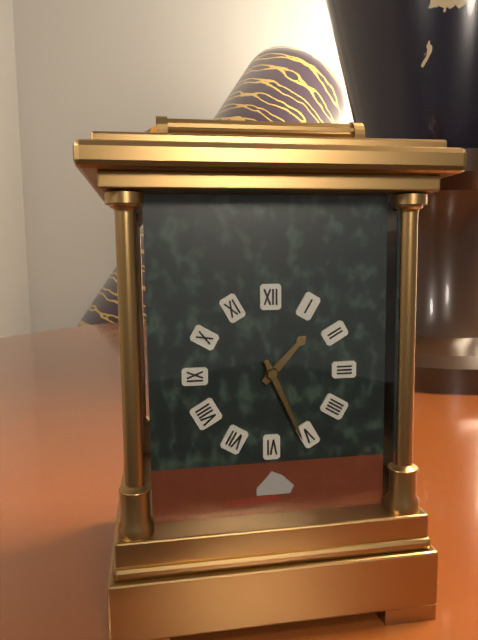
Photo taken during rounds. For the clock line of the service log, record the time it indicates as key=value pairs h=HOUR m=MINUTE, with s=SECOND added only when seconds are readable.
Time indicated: h=1 m=26
